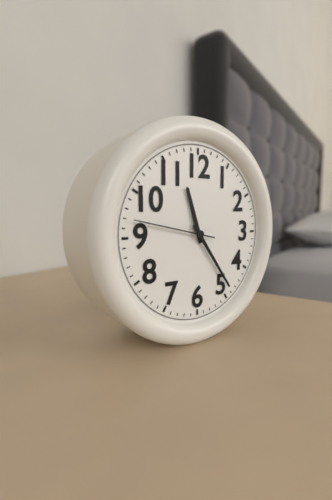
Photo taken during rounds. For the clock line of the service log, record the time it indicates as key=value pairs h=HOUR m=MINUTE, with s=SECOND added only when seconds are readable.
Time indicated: h=11 m=24 s=47
